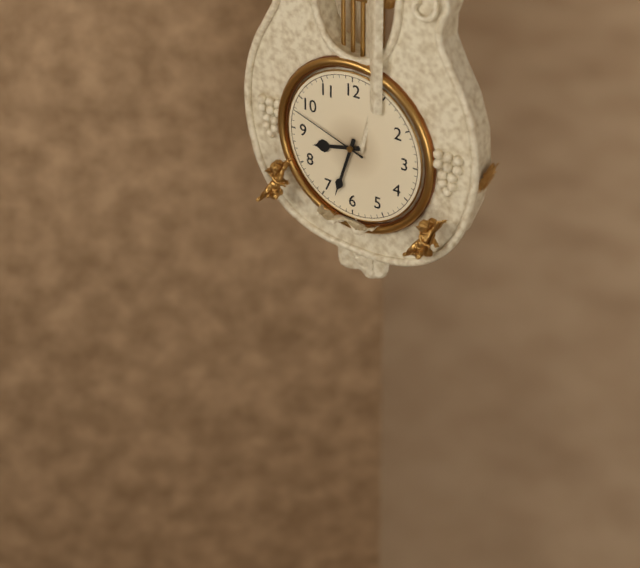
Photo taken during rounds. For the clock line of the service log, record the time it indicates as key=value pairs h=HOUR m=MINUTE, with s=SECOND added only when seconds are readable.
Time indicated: h=8 m=33 s=48
